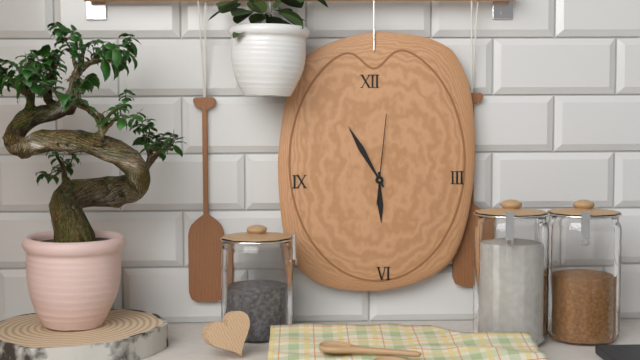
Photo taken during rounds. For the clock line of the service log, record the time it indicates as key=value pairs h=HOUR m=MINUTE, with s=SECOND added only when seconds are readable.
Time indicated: h=5 m=55 s=1
